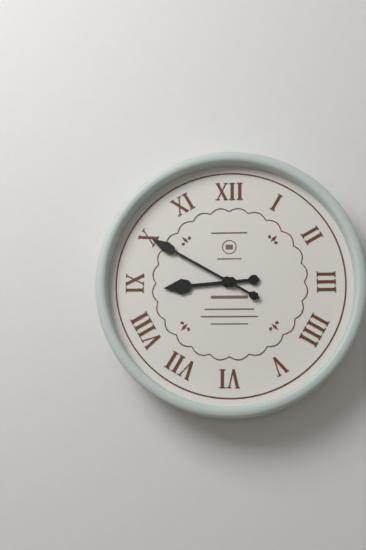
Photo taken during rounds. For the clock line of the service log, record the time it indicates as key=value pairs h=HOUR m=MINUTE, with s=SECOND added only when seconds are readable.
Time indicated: h=8 m=50
